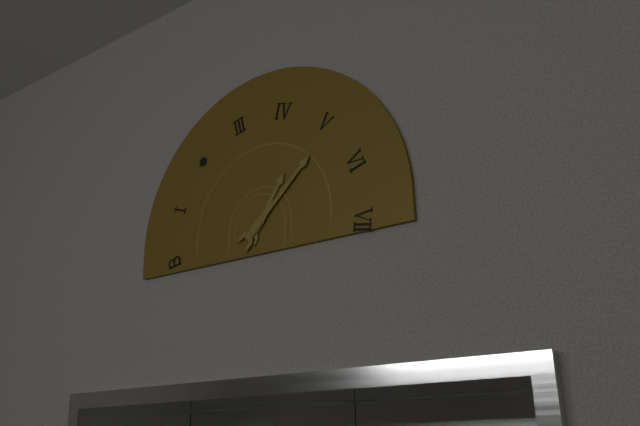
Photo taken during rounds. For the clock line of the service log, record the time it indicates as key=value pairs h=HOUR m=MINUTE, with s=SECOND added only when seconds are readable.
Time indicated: h=1 m=8
